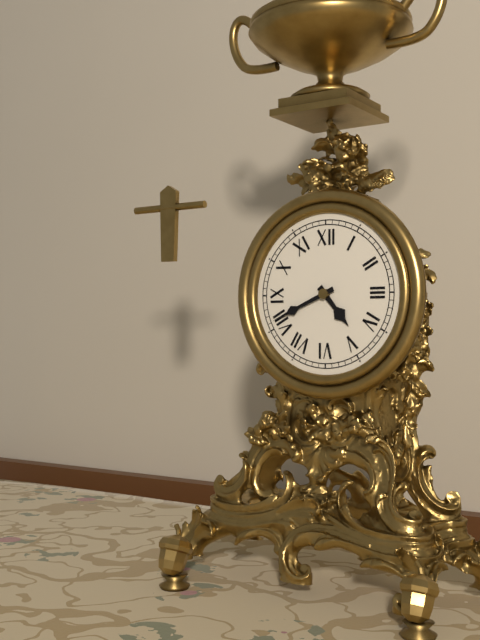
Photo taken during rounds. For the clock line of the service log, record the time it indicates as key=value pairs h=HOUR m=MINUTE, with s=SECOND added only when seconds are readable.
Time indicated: h=4 m=41
